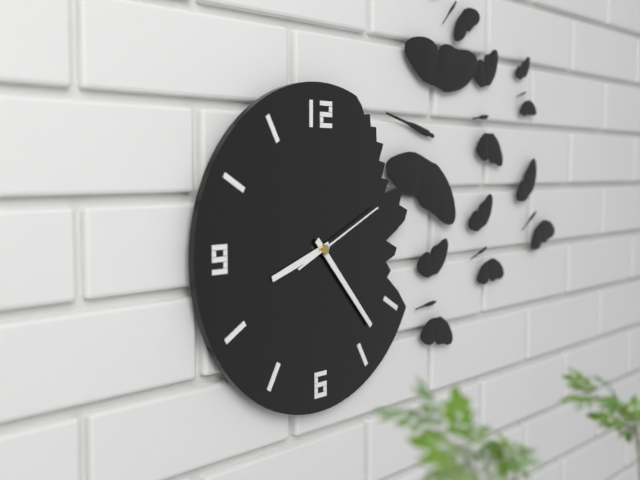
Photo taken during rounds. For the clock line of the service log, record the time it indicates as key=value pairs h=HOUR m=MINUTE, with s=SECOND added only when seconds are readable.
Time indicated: h=8 m=23 s=11
